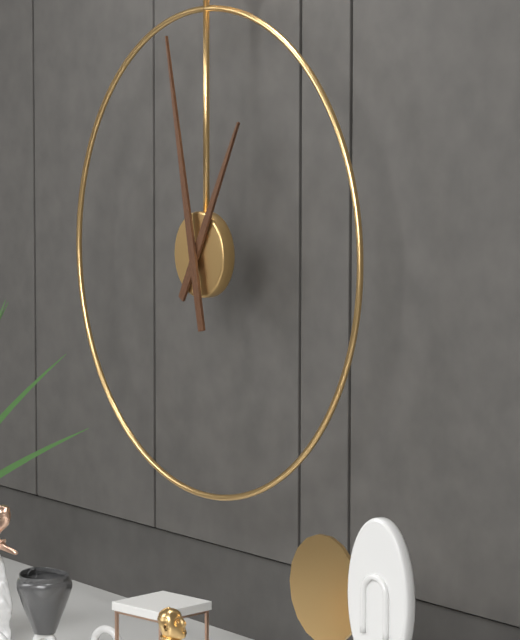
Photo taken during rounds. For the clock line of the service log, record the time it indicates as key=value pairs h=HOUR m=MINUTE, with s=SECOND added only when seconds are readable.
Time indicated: h=12 m=58
